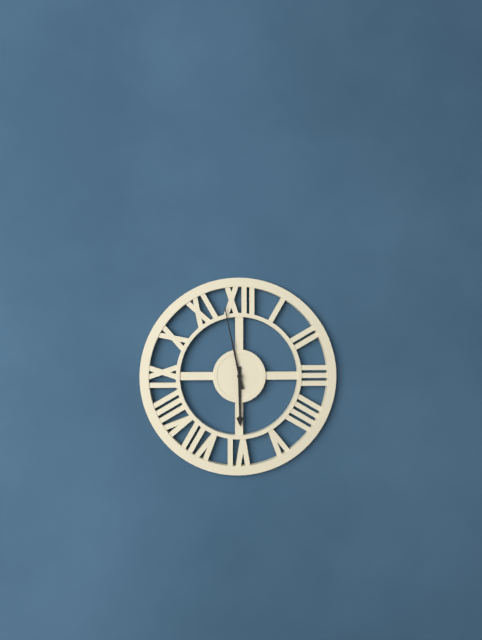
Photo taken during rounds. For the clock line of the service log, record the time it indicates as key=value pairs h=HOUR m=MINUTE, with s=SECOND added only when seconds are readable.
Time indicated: h=5 m=58
